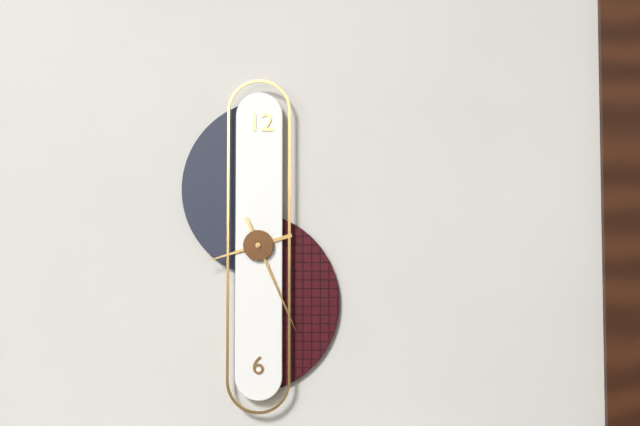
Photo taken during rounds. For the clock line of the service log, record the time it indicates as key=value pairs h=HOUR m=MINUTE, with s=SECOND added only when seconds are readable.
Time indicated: h=8 m=26
